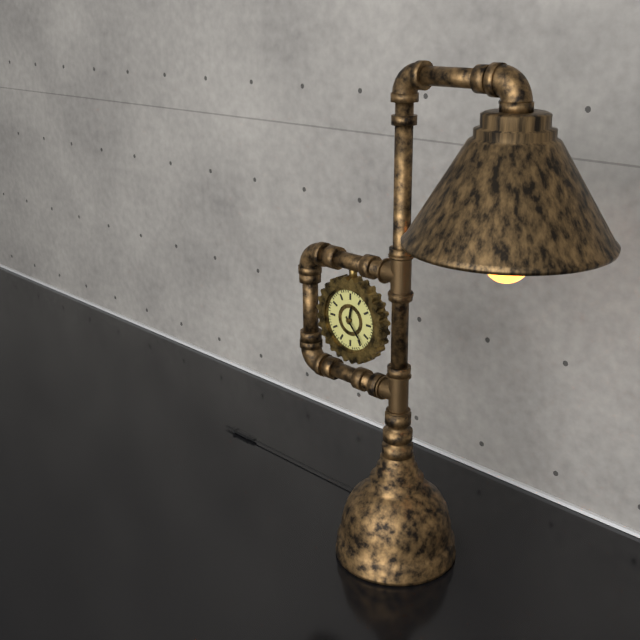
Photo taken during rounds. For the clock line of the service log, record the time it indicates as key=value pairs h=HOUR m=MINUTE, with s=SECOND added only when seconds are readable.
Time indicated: h=12 m=23
